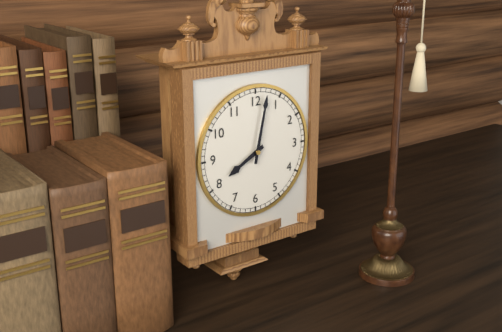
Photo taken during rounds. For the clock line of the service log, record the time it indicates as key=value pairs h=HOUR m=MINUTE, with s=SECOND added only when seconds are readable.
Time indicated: h=8 m=2
